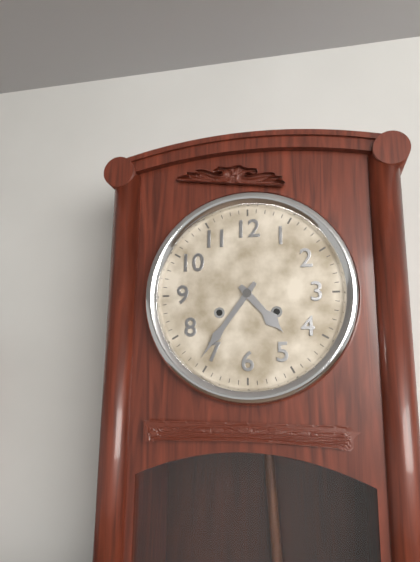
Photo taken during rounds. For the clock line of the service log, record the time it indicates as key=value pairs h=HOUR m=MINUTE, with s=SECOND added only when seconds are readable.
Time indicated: h=4 m=36
